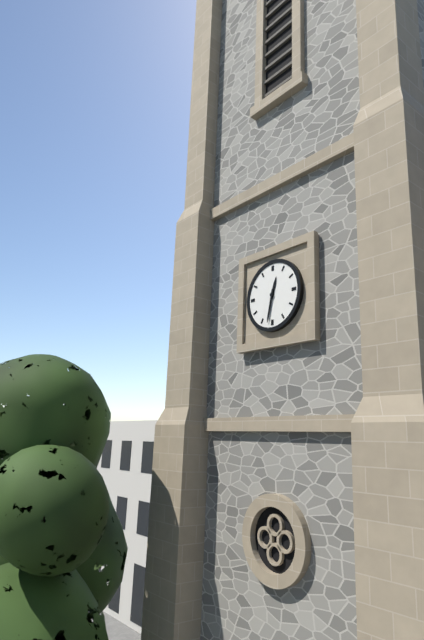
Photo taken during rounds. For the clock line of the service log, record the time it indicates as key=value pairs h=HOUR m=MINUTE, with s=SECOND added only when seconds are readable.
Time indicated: h=12 m=32
